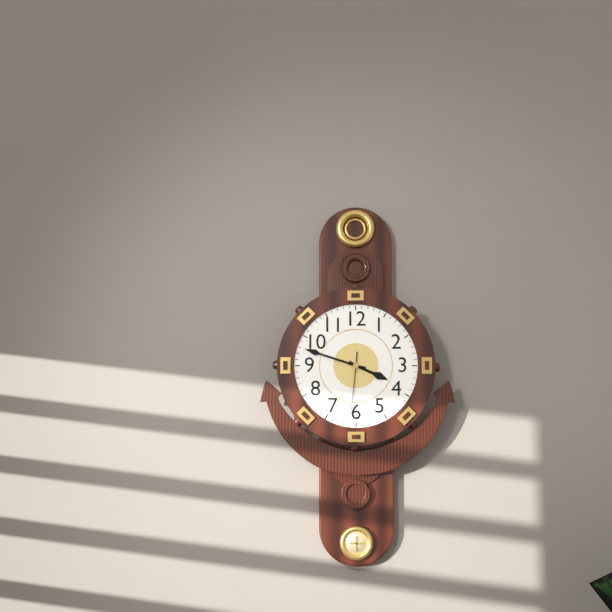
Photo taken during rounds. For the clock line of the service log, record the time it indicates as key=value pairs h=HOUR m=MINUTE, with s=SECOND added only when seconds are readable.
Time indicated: h=3 m=48 s=31
